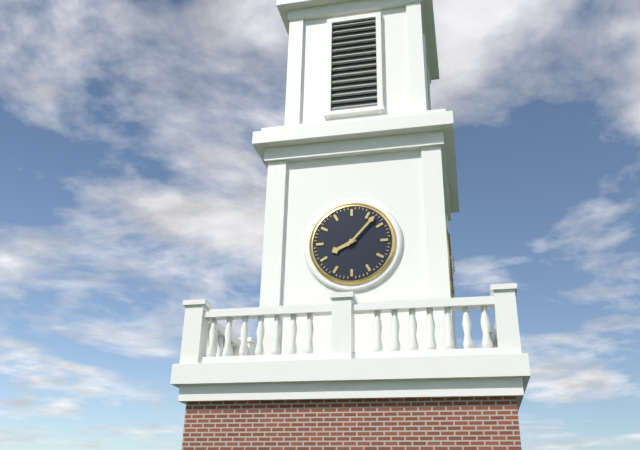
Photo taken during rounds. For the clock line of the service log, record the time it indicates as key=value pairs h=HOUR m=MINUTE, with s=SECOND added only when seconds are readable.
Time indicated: h=8 m=7
